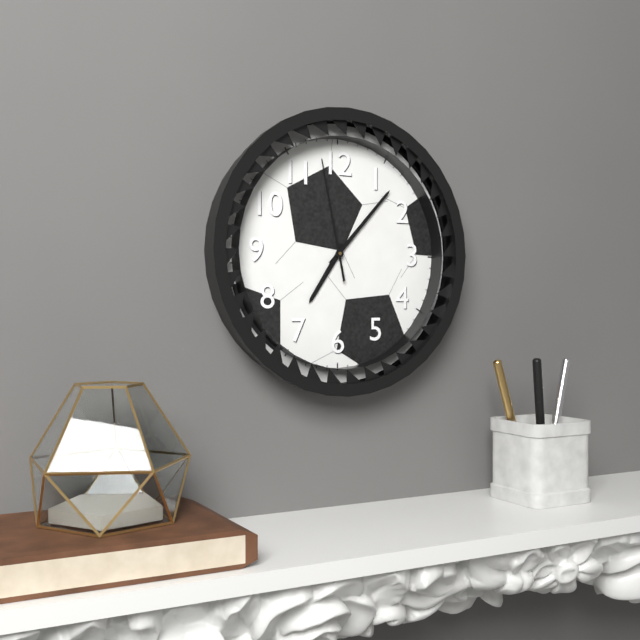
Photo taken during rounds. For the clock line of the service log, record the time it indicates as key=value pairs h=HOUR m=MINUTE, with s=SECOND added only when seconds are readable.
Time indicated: h=7 m=7 s=58
